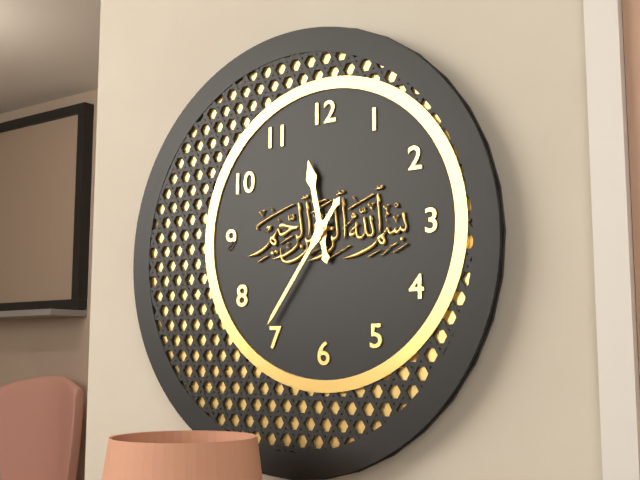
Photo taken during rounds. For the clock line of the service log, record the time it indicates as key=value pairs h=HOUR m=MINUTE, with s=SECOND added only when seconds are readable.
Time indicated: h=11 m=36
